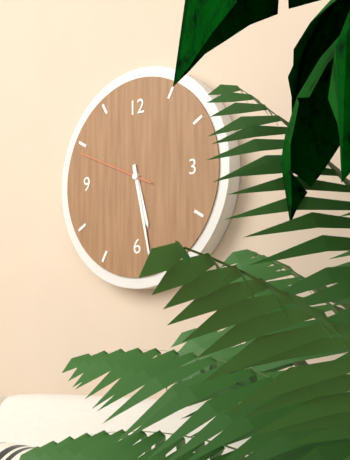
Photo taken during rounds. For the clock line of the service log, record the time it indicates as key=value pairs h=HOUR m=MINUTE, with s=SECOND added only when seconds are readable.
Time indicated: h=5 m=28 s=49
